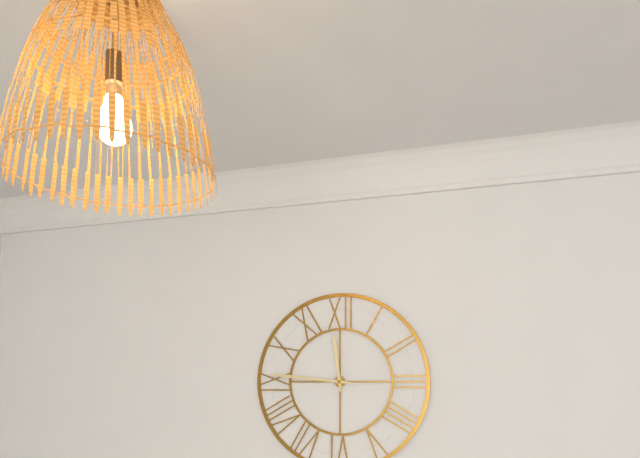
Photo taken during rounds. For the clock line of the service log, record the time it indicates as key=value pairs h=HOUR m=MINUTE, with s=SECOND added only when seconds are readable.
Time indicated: h=11 m=46
